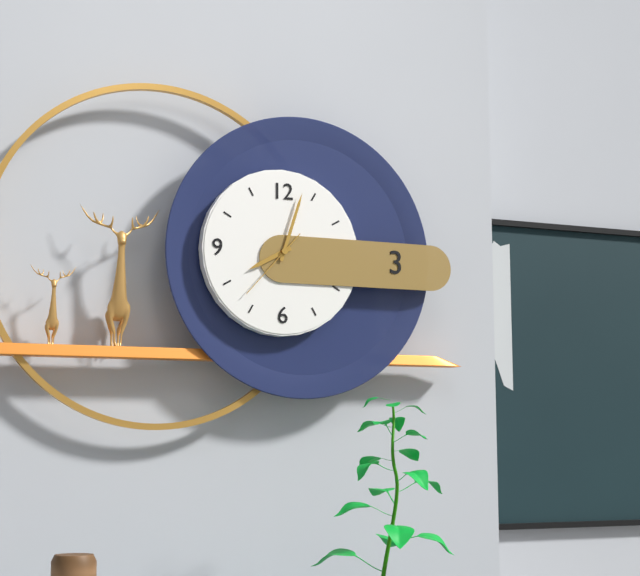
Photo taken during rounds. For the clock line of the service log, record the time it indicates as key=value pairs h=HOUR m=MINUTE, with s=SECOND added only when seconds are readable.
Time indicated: h=8 m=3 s=37
